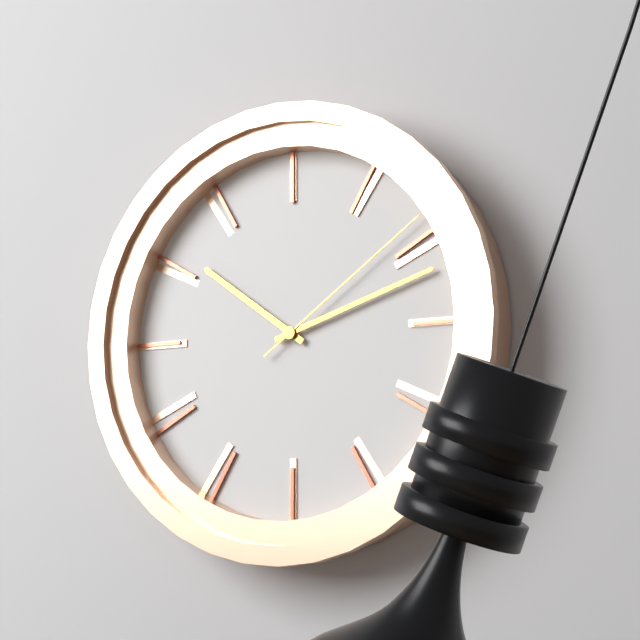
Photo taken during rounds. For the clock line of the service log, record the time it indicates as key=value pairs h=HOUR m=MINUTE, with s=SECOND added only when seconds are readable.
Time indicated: h=10 m=12 s=9
